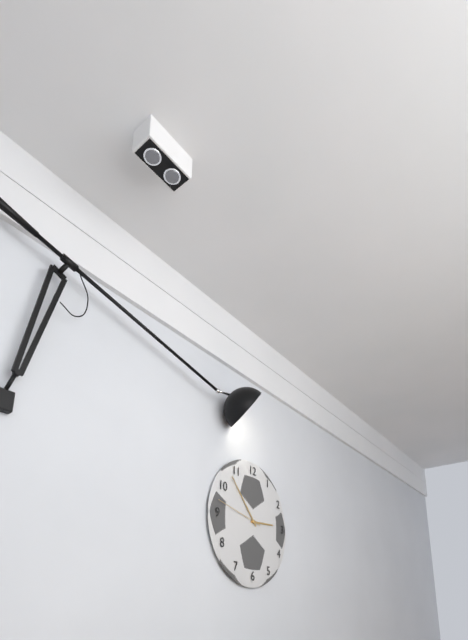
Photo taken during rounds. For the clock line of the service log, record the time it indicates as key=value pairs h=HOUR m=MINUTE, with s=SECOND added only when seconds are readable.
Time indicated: h=2 m=53 s=47
